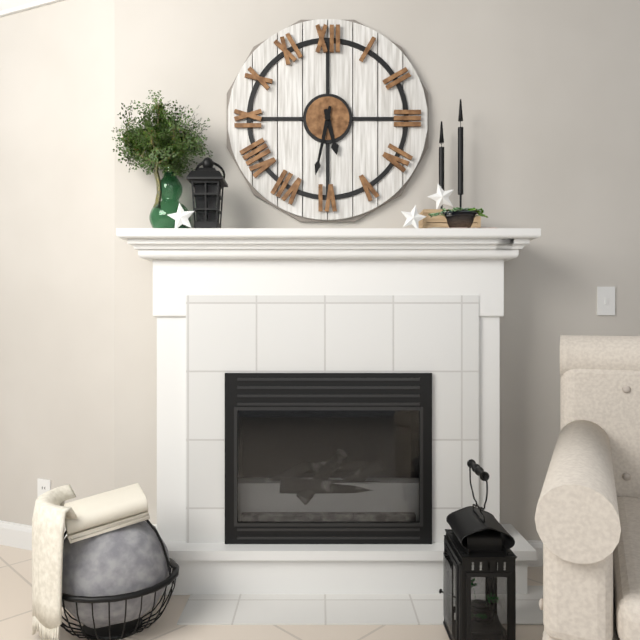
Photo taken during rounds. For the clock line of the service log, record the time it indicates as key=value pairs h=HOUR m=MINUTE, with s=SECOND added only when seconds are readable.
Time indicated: h=5 m=32
